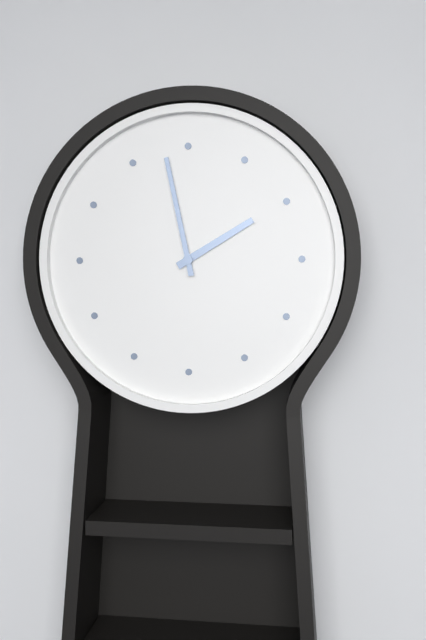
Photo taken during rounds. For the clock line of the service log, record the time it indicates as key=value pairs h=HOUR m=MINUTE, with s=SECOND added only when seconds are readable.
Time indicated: h=1 m=58
